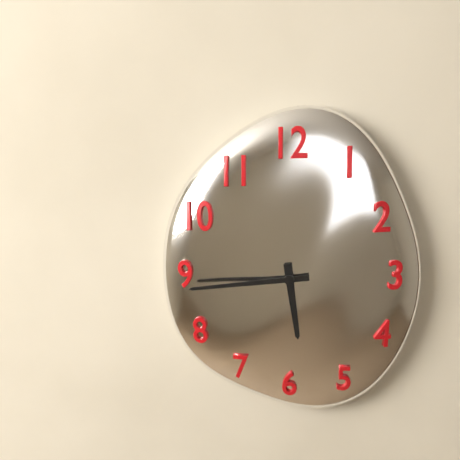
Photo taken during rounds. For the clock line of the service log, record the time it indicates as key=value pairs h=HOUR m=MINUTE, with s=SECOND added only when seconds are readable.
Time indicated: h=5 m=44
